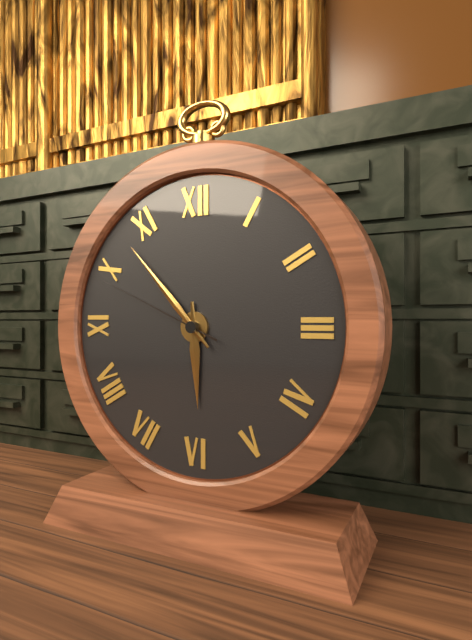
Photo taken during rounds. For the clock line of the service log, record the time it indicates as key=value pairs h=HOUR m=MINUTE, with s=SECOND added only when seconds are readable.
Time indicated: h=5 m=53 s=49
